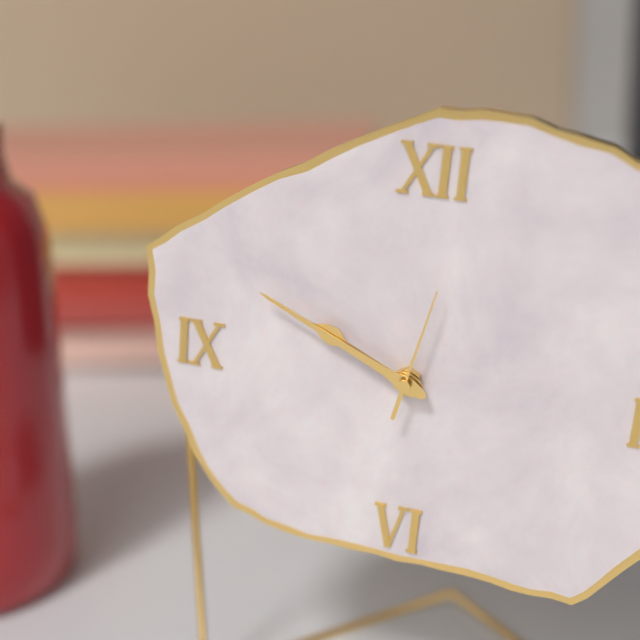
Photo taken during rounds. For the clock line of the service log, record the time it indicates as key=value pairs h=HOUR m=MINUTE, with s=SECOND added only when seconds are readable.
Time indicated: h=9 m=49 s=2
